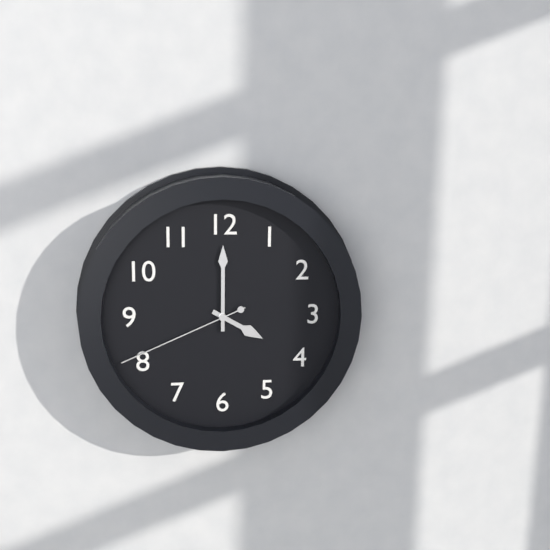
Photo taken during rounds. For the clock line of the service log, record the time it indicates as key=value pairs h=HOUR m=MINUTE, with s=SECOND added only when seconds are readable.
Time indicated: h=4 m=0 s=41
